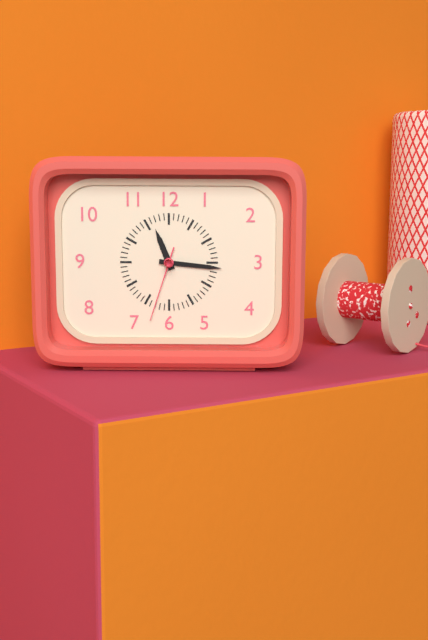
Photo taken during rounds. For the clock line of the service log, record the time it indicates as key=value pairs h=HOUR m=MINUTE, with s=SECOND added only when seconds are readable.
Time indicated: h=11 m=16 s=33
